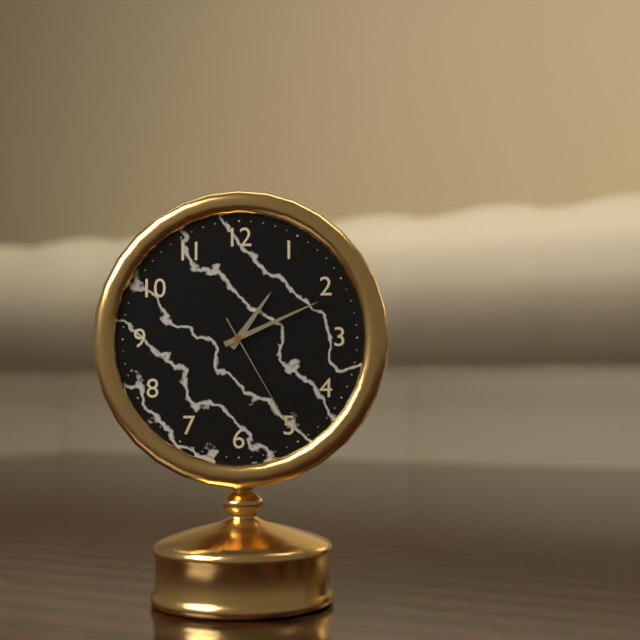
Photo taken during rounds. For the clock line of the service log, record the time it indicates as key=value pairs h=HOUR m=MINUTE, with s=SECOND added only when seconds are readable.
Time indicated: h=1 m=11 s=25
